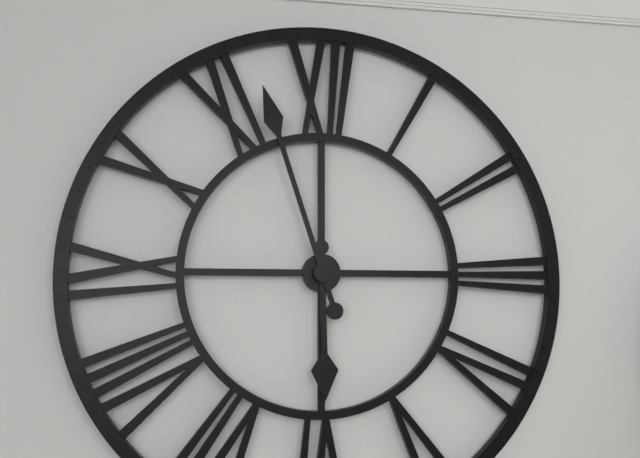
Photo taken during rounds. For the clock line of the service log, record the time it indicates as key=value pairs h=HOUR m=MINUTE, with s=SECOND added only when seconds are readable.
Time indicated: h=5 m=57
